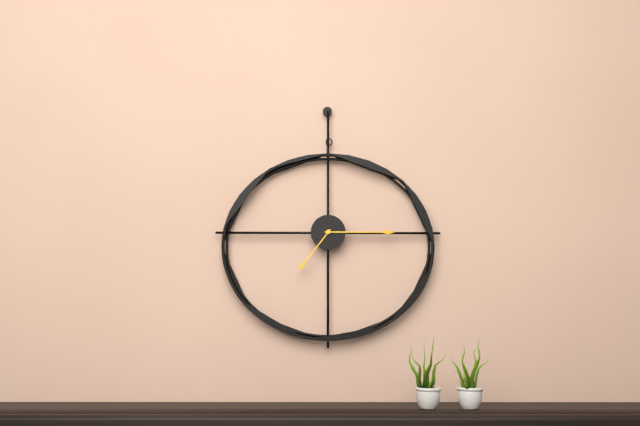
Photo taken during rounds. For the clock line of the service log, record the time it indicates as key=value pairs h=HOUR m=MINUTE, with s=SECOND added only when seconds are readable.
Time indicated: h=7 m=15
